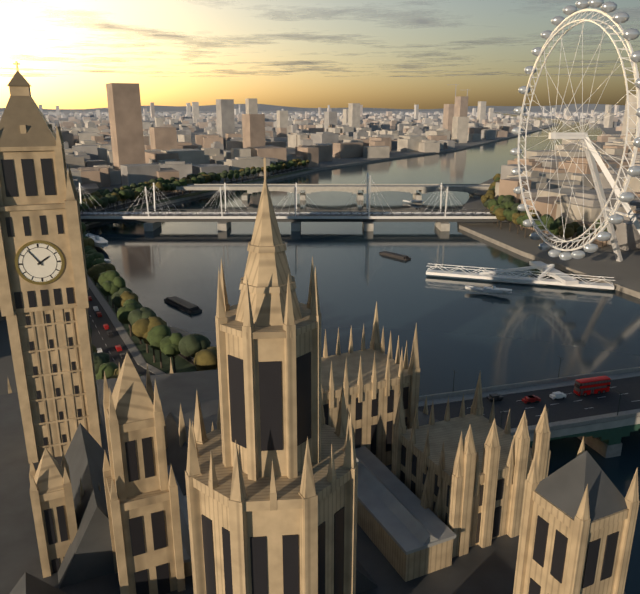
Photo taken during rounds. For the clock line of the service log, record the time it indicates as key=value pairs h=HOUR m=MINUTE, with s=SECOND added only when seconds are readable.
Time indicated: h=1 m=54
